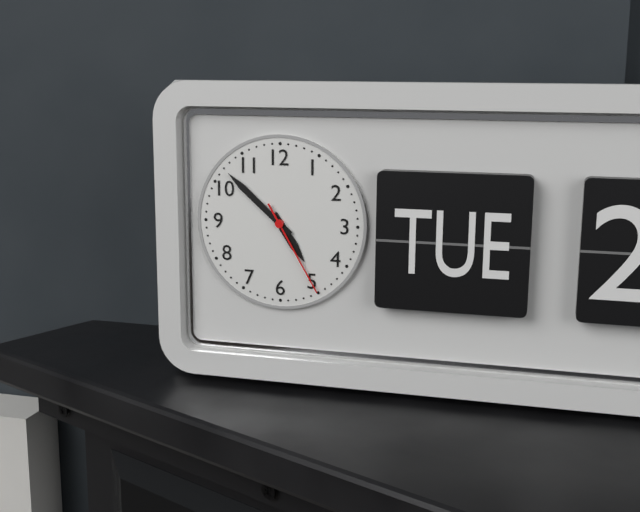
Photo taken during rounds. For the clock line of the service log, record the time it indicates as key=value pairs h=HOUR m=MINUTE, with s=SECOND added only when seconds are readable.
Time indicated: h=4 m=52 s=25
